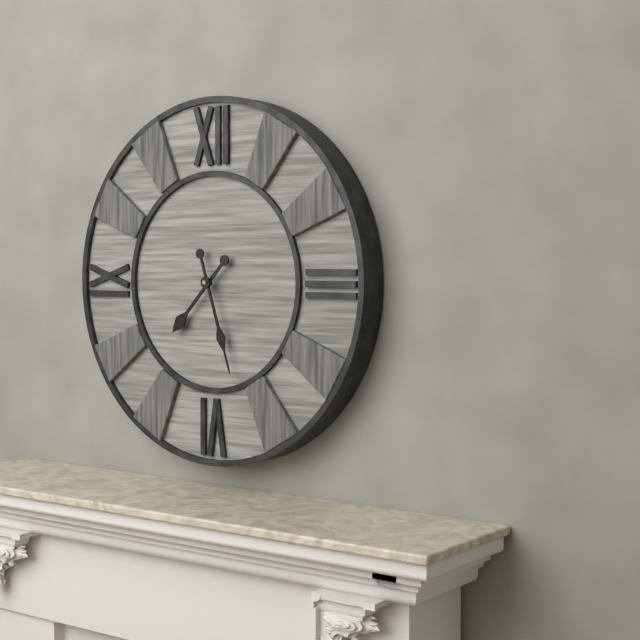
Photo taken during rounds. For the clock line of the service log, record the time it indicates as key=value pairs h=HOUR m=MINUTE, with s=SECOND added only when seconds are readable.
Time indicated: h=7 m=27
